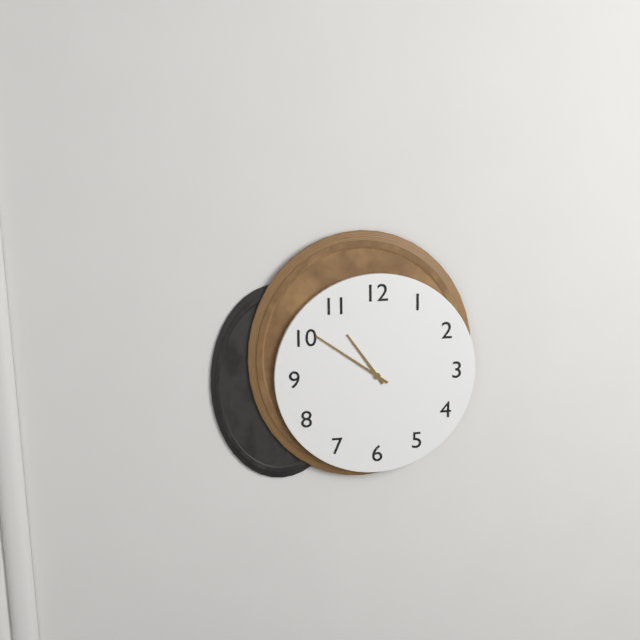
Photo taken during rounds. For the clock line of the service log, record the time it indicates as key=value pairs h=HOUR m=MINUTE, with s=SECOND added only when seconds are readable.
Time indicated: h=10 m=51
